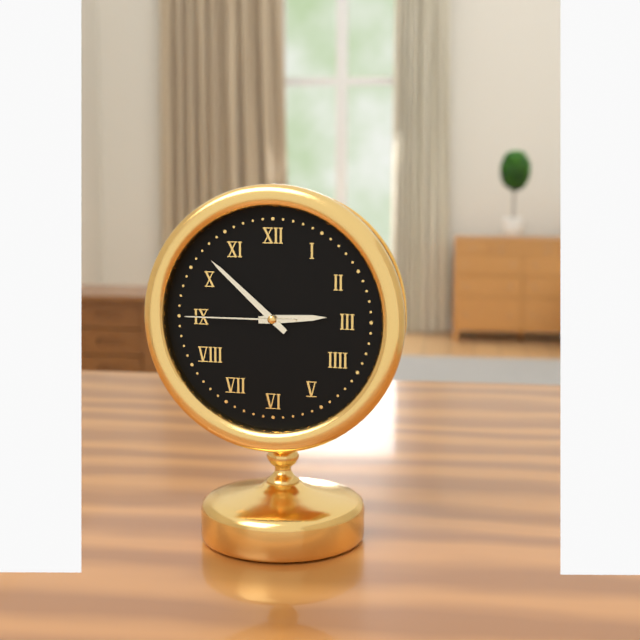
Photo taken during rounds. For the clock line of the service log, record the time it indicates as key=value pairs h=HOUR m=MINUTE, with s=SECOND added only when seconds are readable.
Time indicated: h=2 m=52 s=45
